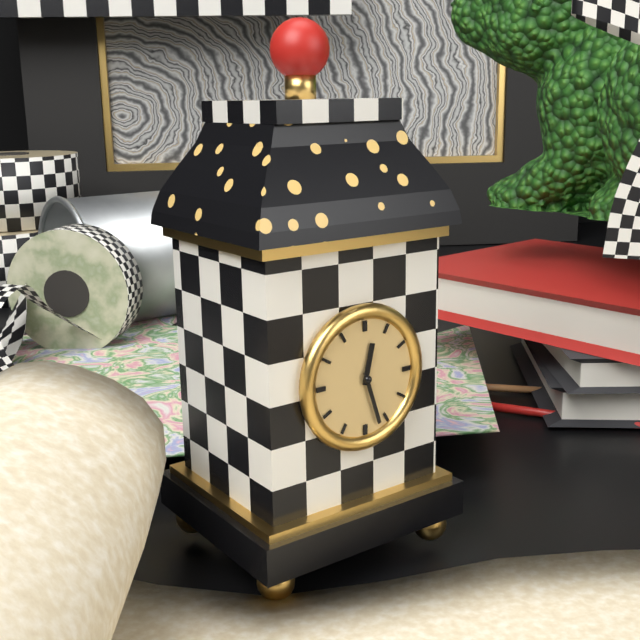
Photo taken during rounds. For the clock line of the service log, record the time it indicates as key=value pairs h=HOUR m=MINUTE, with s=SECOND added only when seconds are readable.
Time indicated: h=12 m=27
